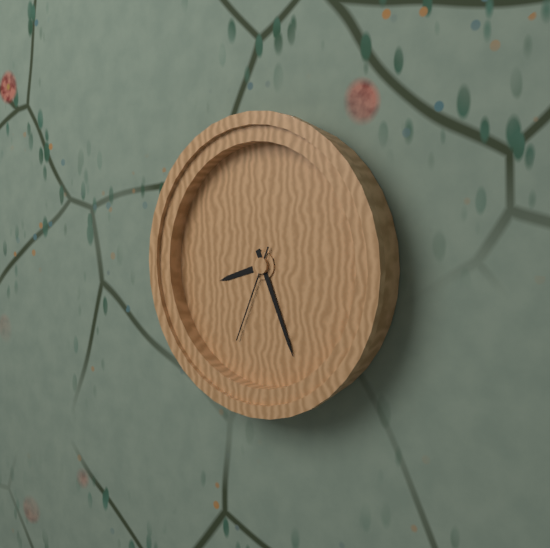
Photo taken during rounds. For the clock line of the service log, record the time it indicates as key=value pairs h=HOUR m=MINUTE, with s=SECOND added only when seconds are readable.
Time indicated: h=8 m=26 s=34
